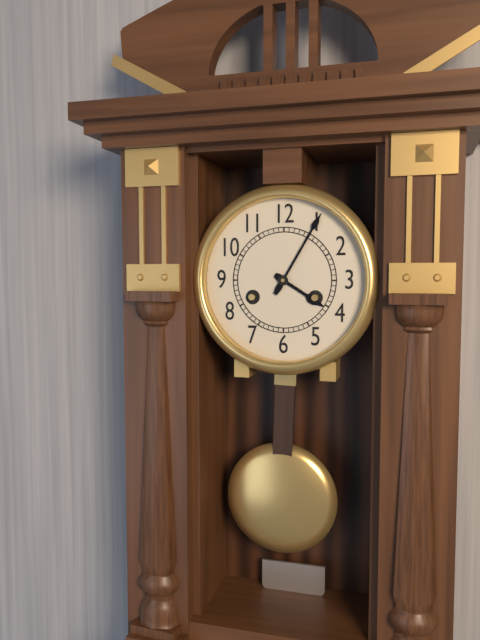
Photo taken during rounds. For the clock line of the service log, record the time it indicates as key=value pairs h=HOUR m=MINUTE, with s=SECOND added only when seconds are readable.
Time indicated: h=4 m=5
